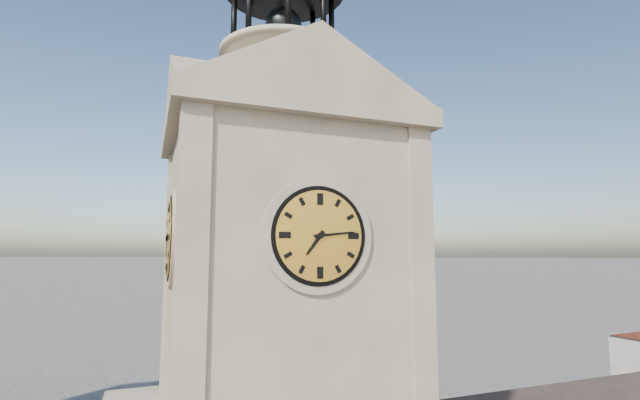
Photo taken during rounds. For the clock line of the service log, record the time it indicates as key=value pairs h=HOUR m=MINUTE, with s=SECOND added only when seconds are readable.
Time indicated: h=7 m=14
